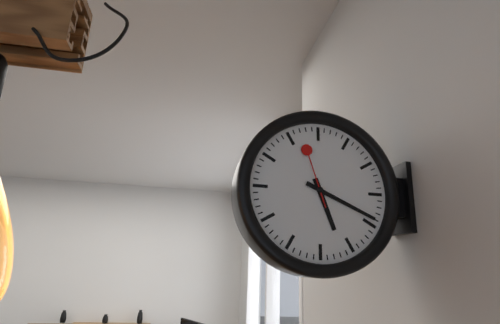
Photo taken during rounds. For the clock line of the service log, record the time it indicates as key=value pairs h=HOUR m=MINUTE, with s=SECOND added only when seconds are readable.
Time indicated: h=5 m=19 s=57
